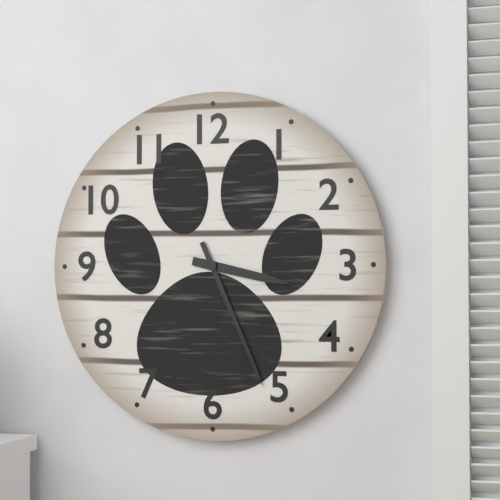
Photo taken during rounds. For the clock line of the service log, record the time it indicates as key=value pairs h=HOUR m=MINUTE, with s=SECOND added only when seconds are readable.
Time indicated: h=3 m=26
